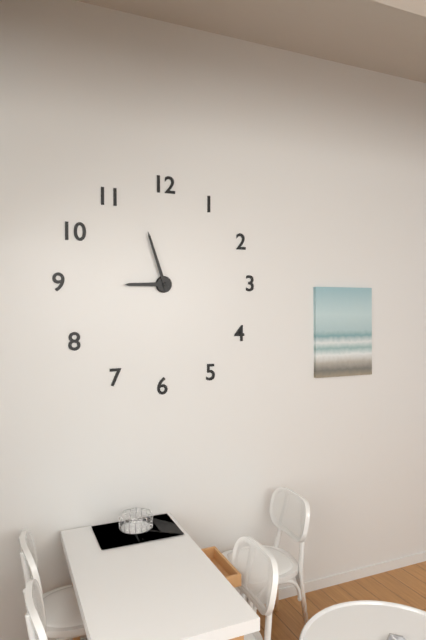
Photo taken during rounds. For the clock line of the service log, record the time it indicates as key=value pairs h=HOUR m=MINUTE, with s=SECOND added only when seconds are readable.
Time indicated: h=8 m=57
